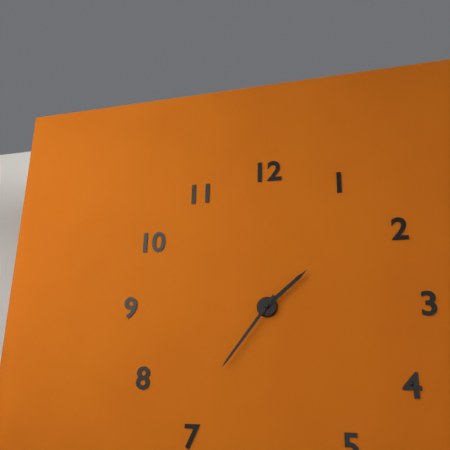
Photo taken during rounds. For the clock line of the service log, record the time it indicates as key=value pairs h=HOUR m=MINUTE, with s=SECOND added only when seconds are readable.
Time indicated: h=1 m=36
